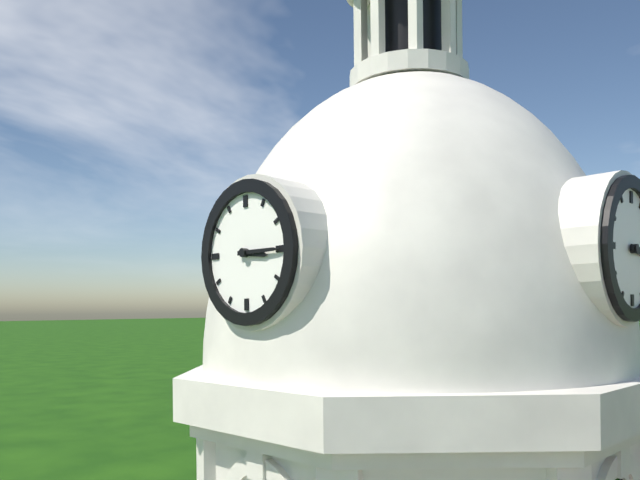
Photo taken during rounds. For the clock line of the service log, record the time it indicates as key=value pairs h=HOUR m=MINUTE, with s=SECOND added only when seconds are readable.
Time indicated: h=3 m=15
